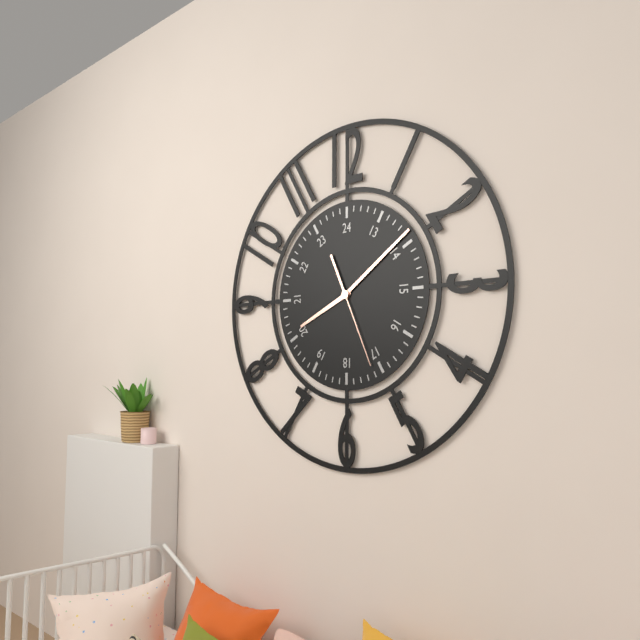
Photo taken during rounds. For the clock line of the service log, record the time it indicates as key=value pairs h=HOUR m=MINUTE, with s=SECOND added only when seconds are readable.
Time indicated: h=8 m=9 s=26
